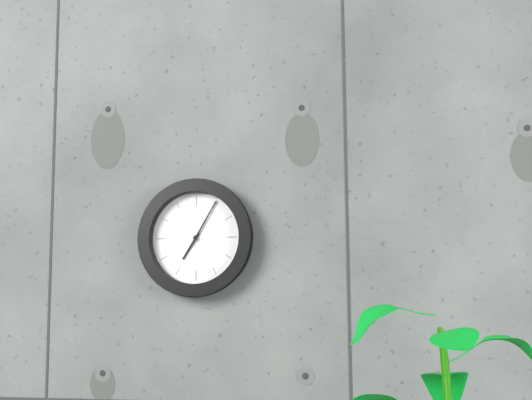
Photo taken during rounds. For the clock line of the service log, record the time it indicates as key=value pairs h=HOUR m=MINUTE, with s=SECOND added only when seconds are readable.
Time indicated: h=7 m=5
